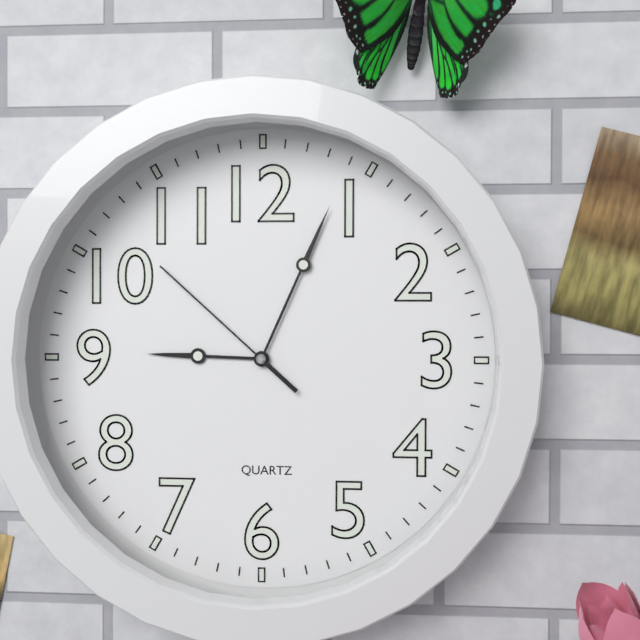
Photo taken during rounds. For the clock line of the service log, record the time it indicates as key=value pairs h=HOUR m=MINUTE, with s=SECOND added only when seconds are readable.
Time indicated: h=9 m=4 s=52
